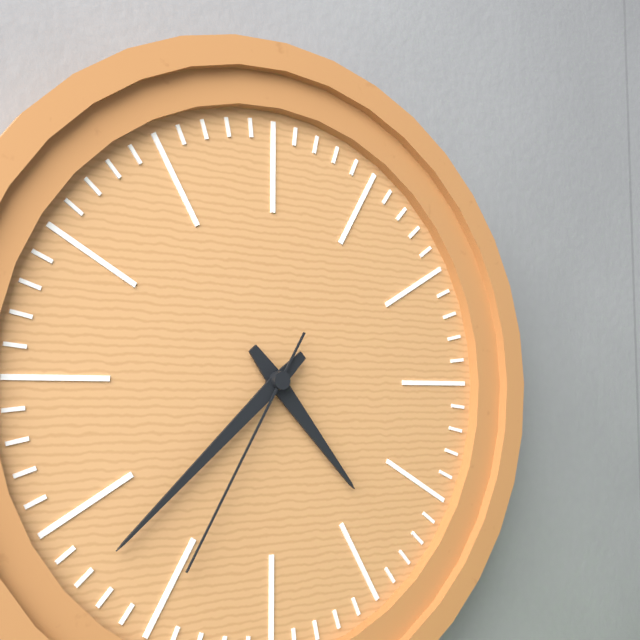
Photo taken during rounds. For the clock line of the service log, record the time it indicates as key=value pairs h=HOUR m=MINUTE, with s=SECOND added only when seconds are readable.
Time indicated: h=4 m=38 s=35
